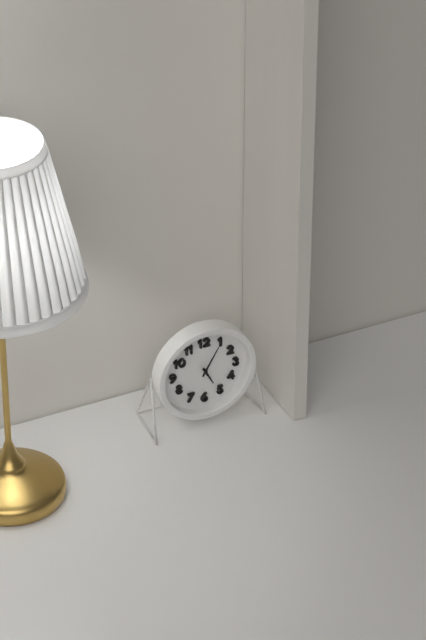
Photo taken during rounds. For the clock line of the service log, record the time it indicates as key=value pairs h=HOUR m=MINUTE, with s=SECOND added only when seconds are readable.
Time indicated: h=5 m=5
